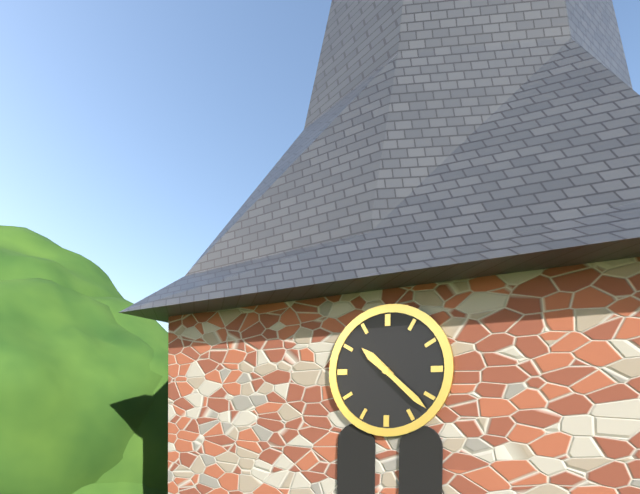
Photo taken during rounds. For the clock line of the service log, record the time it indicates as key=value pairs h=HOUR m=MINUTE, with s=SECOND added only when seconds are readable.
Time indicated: h=10 m=22
